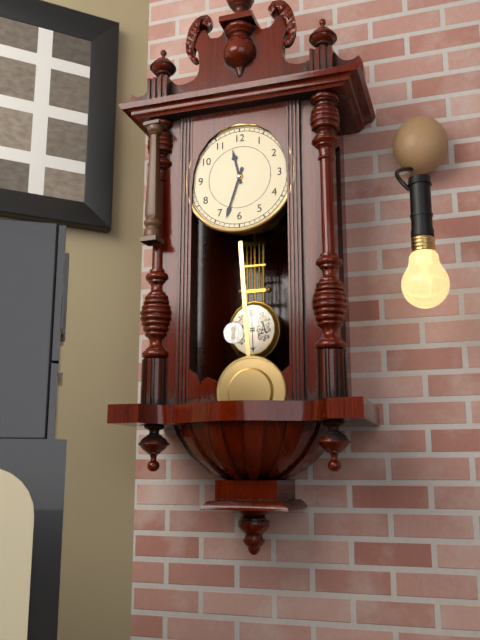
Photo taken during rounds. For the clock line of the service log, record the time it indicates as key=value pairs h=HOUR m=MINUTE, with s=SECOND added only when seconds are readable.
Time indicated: h=11 m=33
